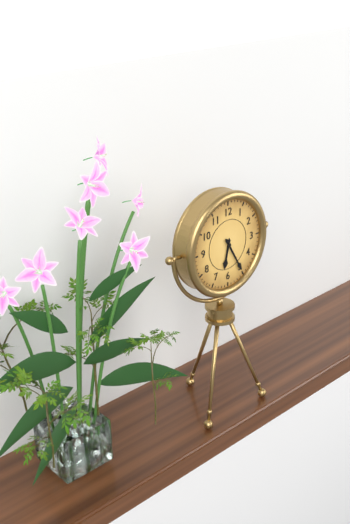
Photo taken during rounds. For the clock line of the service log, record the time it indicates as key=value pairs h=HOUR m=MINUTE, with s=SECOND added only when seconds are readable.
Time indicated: h=6 m=25
